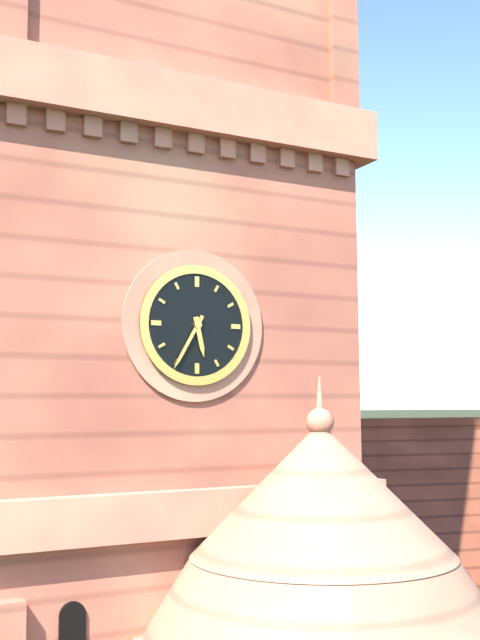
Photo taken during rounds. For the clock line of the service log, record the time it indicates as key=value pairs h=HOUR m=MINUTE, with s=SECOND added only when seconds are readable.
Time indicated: h=5 m=35
